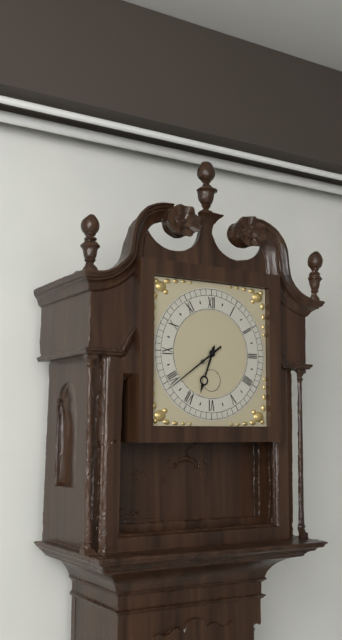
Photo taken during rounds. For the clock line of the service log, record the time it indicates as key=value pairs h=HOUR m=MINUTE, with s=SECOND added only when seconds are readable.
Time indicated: h=6 m=39
